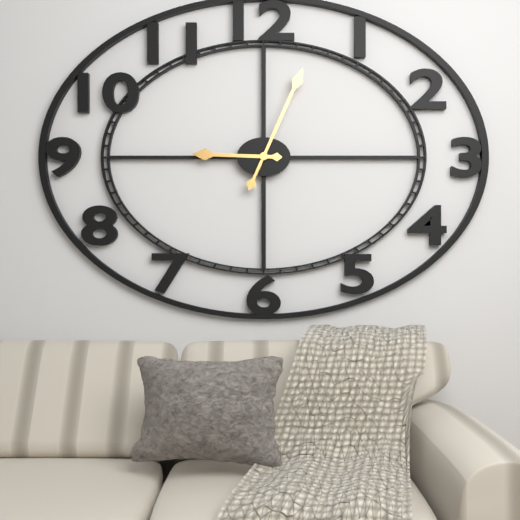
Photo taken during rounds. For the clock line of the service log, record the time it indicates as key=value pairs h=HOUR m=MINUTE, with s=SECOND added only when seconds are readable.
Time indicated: h=9 m=4
